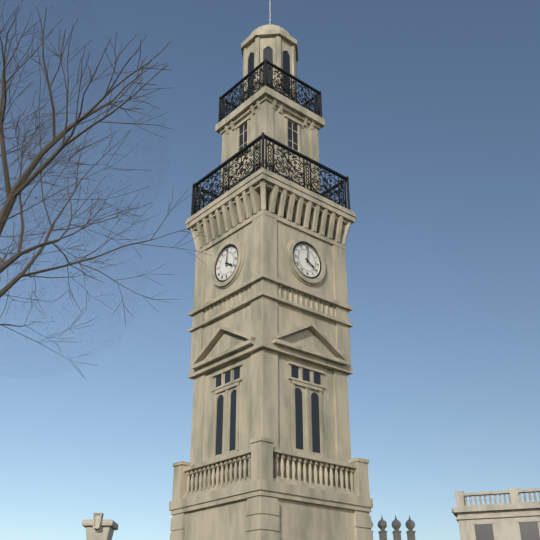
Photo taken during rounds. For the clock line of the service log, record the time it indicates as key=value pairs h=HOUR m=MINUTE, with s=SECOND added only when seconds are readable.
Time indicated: h=4 m=1
